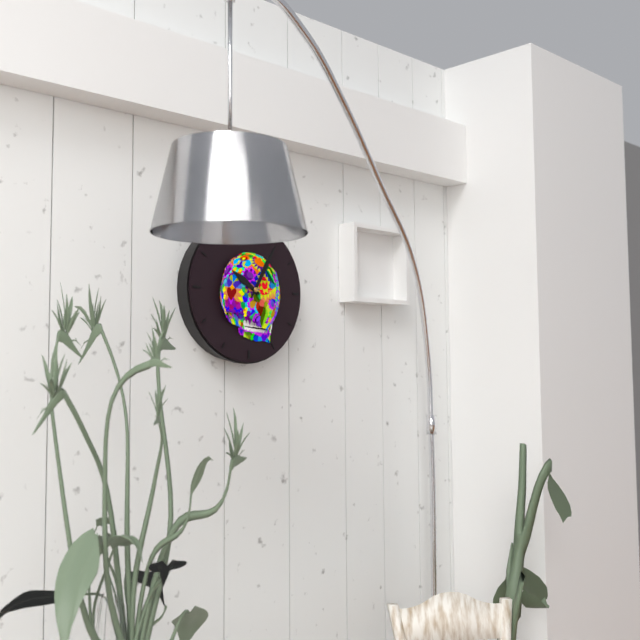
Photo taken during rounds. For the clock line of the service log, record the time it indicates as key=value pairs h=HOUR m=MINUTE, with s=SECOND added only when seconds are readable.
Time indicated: h=10 m=5
